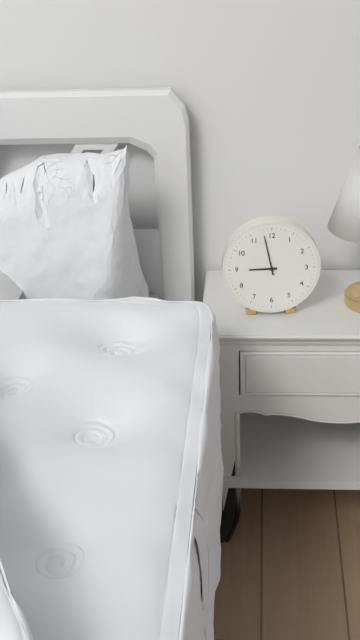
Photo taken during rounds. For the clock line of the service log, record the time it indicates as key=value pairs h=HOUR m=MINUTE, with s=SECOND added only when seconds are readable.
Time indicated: h=8 m=58
